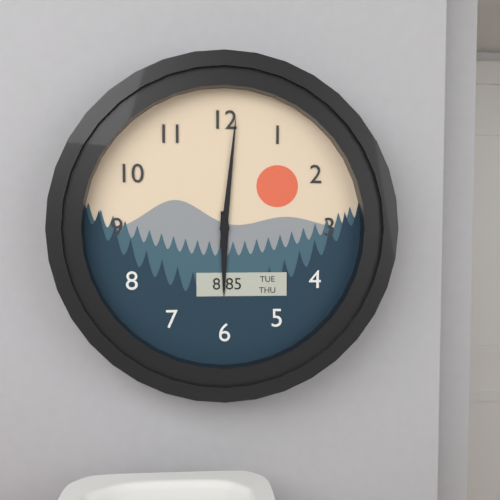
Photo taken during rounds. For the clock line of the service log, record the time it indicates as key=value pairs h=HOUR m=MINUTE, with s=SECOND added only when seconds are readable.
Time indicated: h=6 m=1
